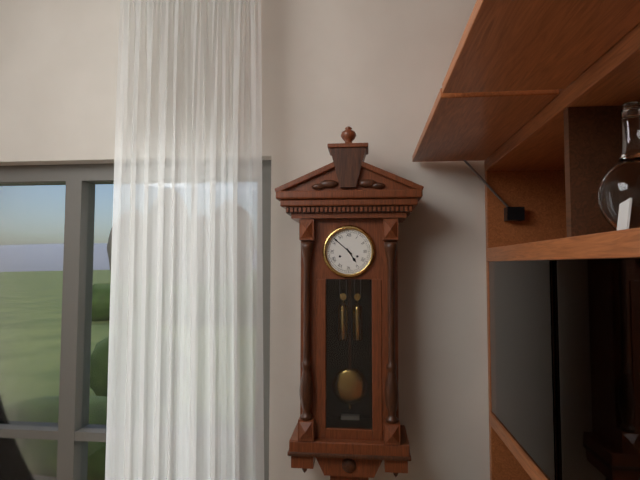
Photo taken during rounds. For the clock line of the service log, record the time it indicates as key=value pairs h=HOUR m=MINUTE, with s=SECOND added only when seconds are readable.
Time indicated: h=4 m=52
